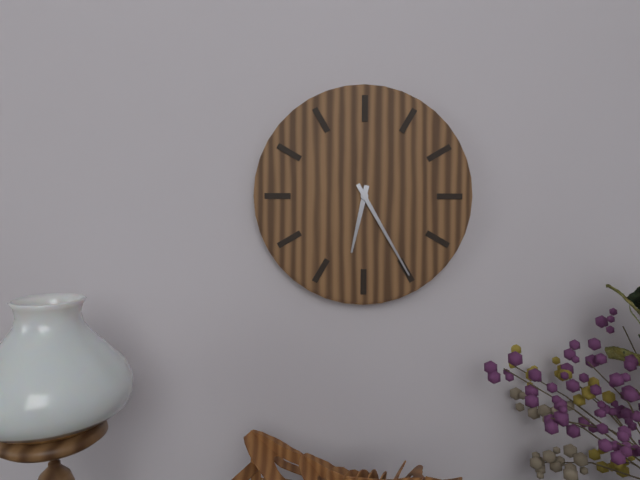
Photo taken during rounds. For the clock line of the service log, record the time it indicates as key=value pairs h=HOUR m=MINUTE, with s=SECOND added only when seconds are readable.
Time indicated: h=6 m=25
